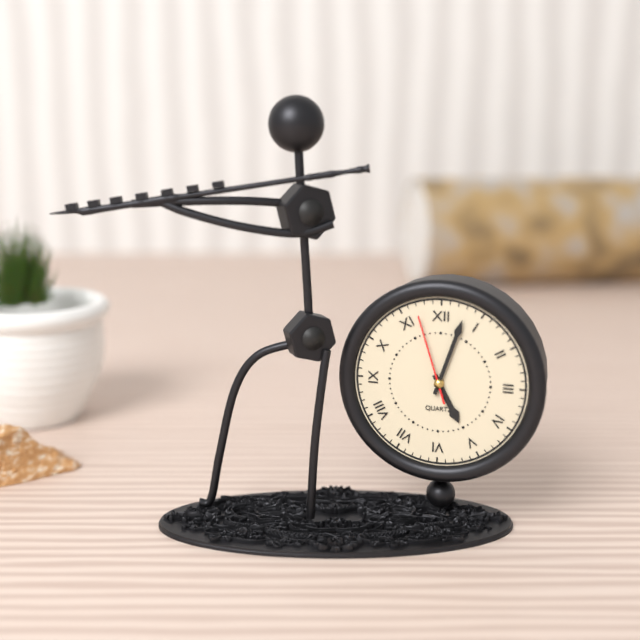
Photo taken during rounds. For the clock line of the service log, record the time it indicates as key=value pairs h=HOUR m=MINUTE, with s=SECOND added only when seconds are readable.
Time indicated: h=5 m=3 s=57
